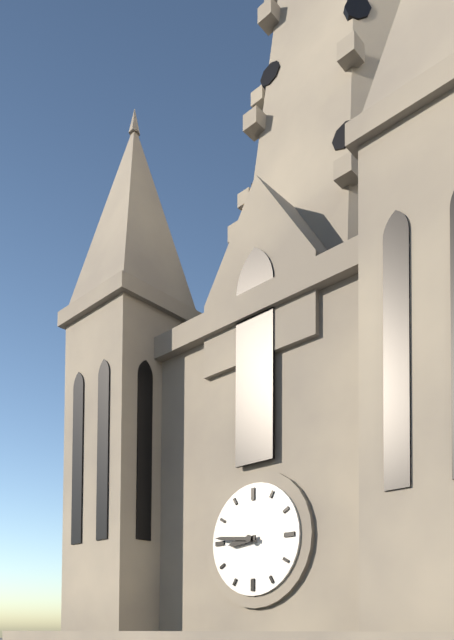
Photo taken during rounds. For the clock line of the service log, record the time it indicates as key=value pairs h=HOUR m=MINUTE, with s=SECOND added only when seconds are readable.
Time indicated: h=8 m=46
